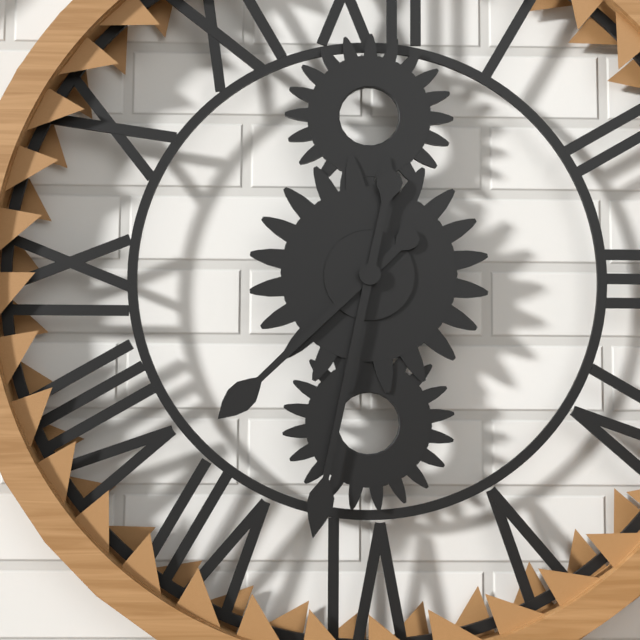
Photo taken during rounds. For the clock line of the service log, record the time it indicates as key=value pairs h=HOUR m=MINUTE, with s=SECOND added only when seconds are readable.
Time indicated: h=7 m=32
